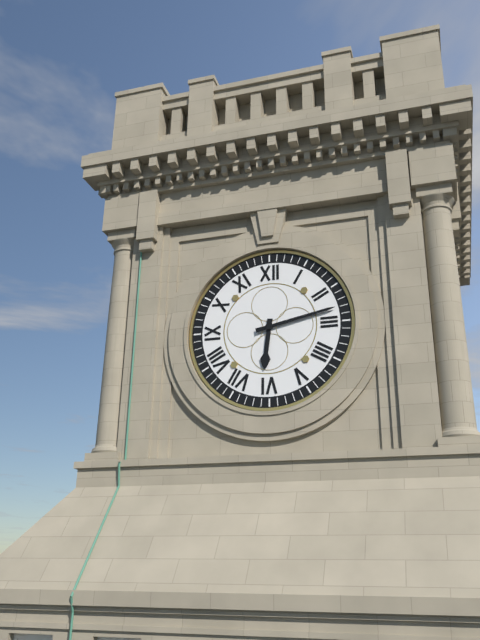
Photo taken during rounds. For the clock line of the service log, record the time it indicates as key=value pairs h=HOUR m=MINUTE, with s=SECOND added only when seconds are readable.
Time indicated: h=6 m=13
